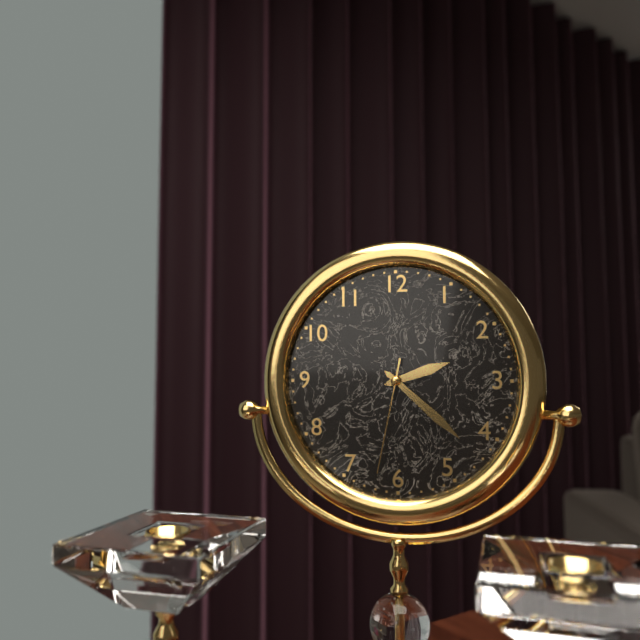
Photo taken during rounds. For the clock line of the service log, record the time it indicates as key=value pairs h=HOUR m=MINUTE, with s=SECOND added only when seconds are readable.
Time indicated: h=2 m=22 s=32
